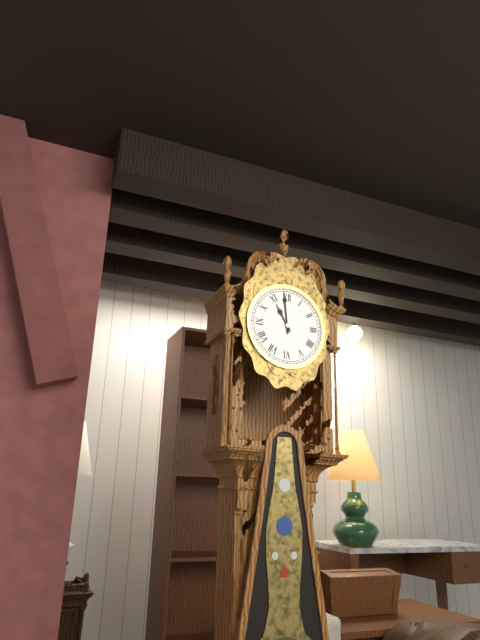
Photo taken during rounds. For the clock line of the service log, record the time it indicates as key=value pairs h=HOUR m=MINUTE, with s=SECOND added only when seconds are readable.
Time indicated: h=10 m=59
